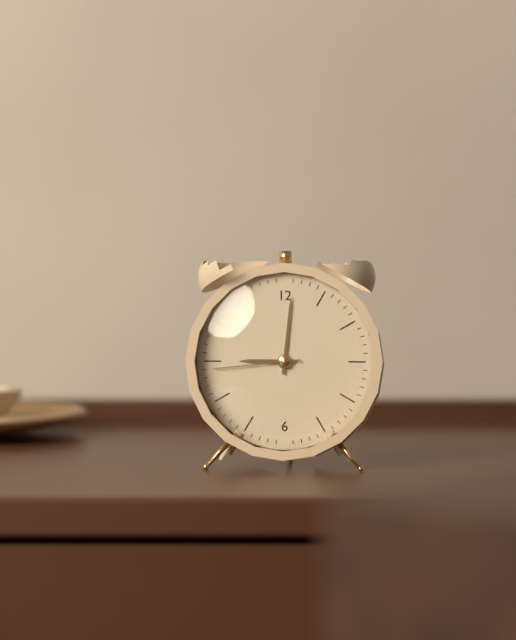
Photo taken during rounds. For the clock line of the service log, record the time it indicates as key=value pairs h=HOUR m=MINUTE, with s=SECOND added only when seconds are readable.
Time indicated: h=9 m=1 s=44
